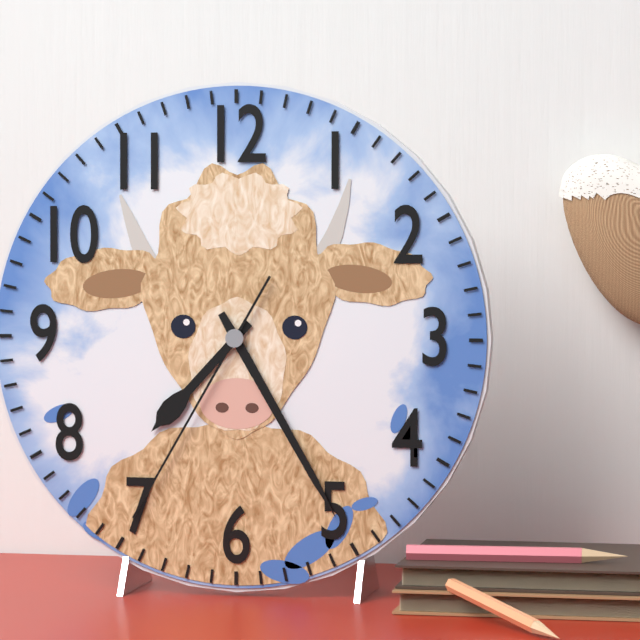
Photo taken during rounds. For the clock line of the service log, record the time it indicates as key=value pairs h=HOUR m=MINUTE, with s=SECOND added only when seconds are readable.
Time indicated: h=7 m=25 s=35
